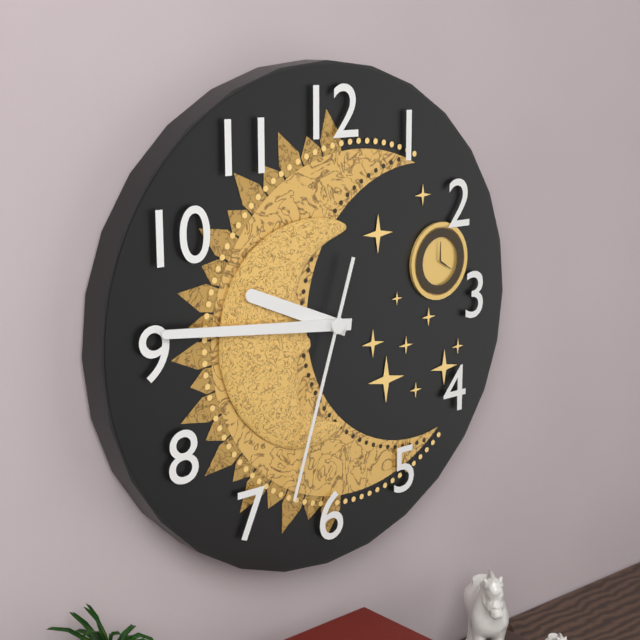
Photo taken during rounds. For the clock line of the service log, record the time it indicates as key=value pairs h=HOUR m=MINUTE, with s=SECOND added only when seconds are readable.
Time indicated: h=9 m=46 s=33
